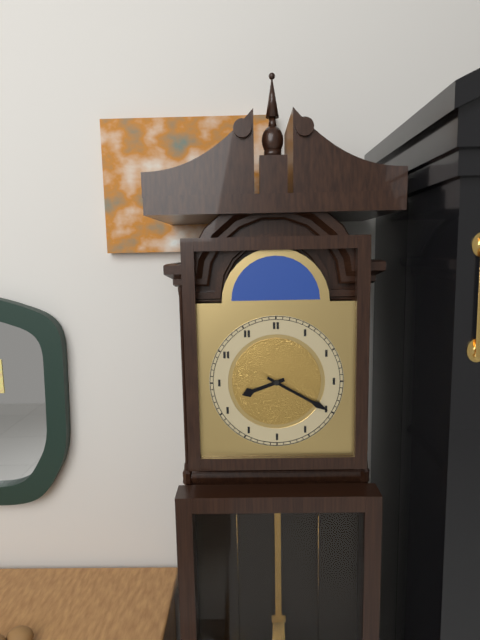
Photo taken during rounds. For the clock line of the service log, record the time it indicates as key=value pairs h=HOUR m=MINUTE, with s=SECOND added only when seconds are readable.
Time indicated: h=8 m=20
